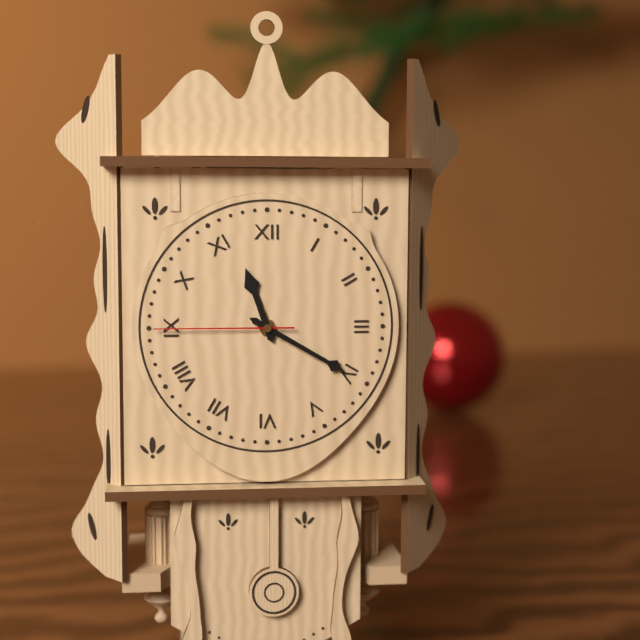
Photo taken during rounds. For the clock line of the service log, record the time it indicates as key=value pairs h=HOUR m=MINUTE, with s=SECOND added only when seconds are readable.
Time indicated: h=11 m=20 s=45
